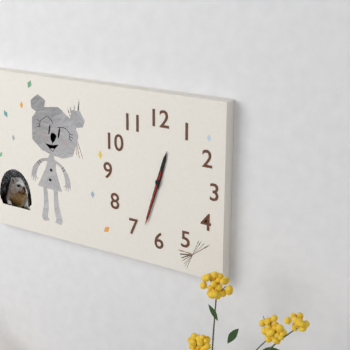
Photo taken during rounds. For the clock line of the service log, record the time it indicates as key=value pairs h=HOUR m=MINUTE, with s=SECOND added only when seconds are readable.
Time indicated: h=12 m=33 s=33
